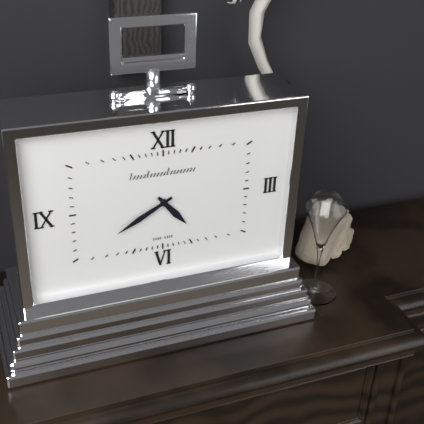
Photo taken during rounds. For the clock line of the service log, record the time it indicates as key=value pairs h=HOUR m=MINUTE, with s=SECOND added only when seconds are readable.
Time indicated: h=4 m=40
